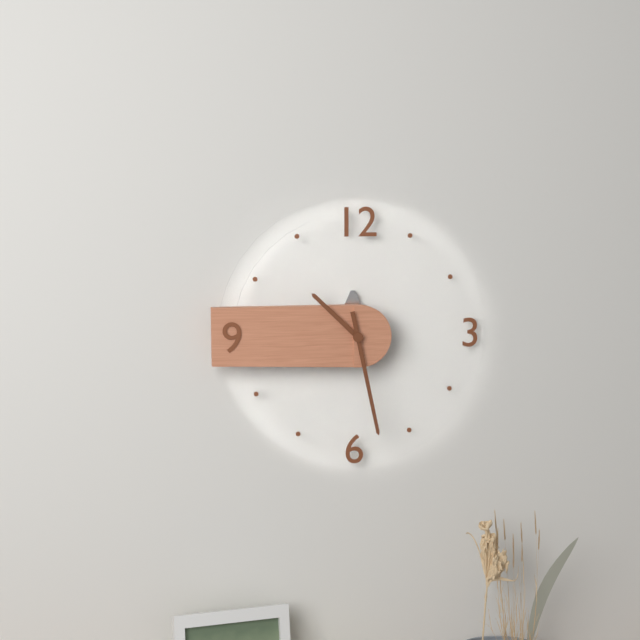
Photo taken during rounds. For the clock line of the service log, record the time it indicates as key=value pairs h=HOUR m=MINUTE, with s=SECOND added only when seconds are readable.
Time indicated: h=10 m=28
